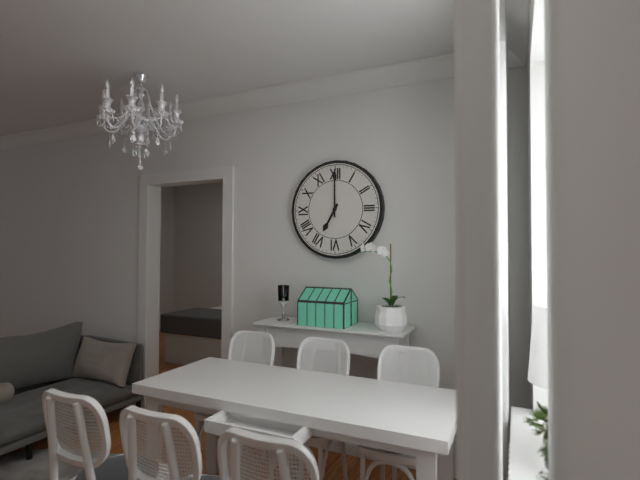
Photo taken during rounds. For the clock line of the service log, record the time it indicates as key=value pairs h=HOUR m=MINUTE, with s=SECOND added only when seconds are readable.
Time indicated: h=7 m=0
